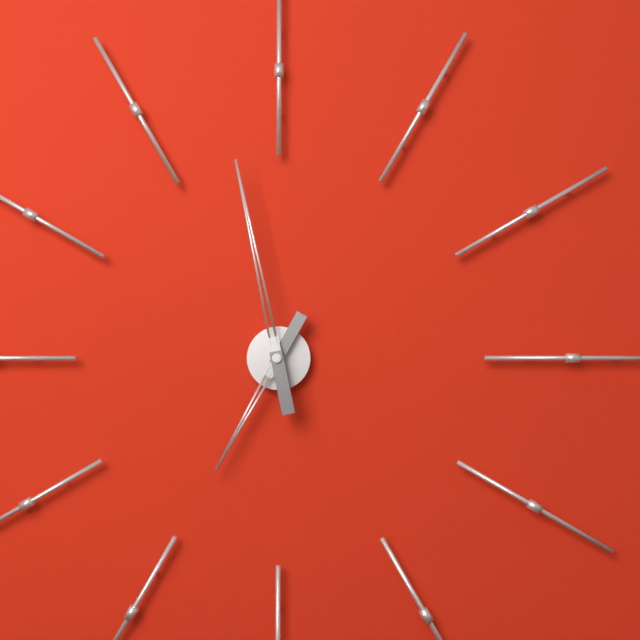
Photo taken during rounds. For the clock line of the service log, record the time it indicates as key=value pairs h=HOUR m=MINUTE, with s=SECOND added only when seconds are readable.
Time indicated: h=6 m=58
